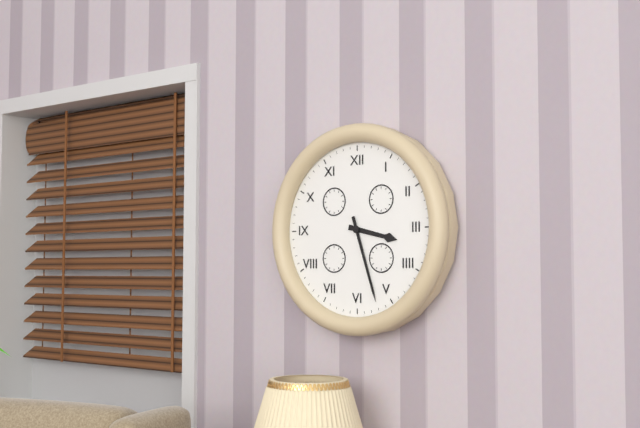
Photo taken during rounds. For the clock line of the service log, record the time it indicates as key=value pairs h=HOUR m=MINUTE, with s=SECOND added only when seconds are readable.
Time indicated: h=3 m=27
